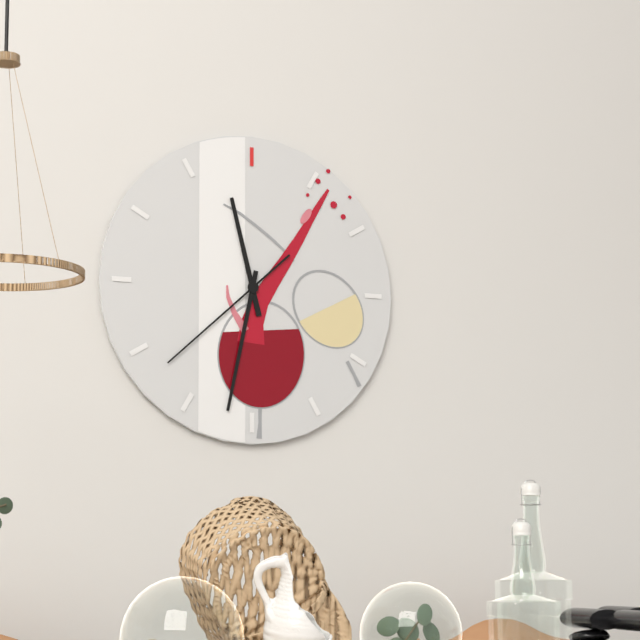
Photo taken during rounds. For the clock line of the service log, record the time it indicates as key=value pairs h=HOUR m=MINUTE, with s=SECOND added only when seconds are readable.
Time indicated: h=11 m=32 s=38
